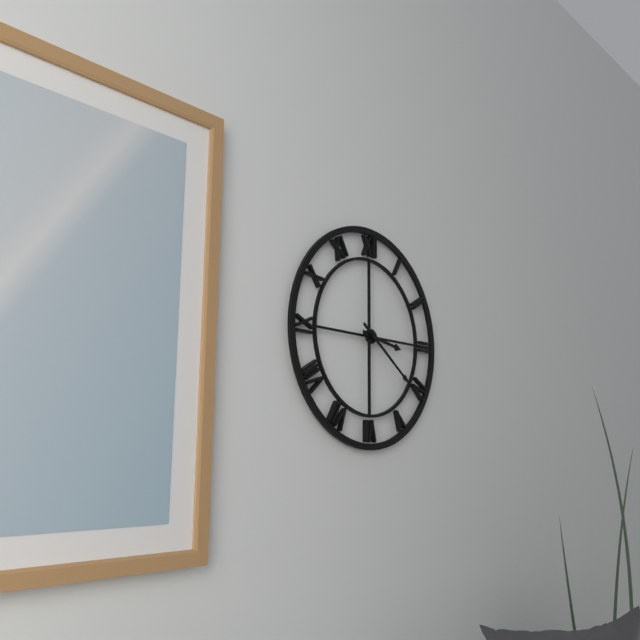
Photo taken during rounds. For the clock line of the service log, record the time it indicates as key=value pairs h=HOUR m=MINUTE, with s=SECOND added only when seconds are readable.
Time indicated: h=3 m=21
